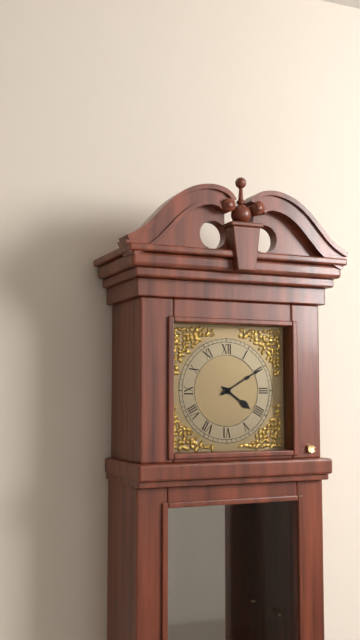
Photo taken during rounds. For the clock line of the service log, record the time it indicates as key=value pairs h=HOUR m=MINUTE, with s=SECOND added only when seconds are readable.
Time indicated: h=4 m=10
